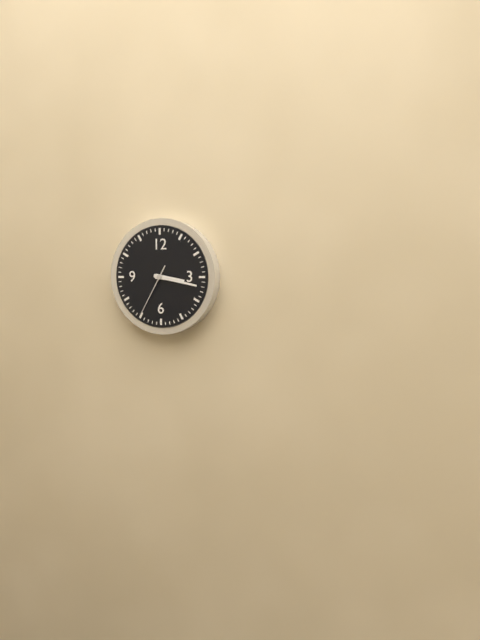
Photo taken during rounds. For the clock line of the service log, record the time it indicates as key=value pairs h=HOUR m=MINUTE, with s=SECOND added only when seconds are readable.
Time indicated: h=3 m=17 s=35
